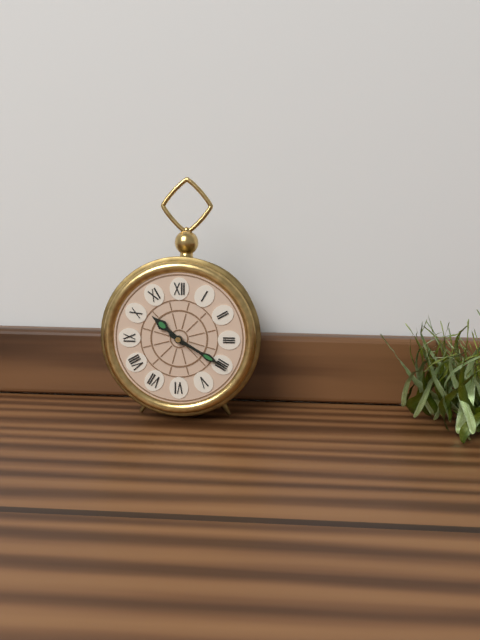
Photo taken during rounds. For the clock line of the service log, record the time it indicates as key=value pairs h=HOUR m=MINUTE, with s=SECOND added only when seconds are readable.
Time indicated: h=10 m=20
